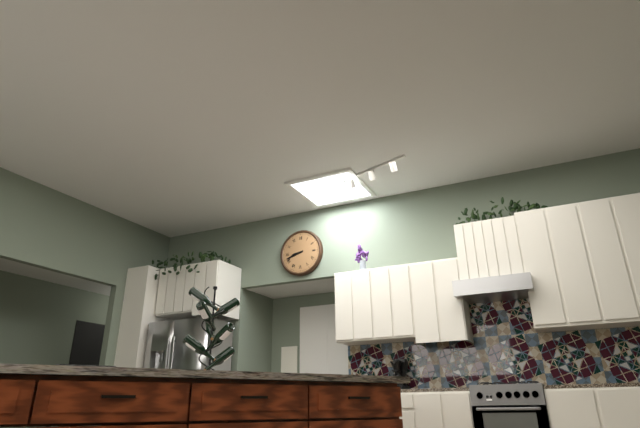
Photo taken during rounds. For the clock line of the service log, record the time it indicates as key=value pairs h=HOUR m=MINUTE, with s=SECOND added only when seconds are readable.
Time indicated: h=8 m=42
